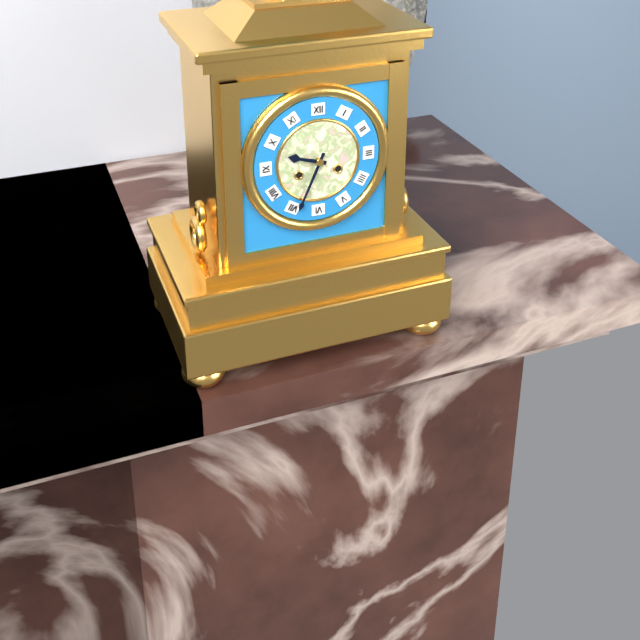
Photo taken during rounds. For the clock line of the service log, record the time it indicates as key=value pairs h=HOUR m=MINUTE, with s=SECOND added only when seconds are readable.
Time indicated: h=9 m=34
